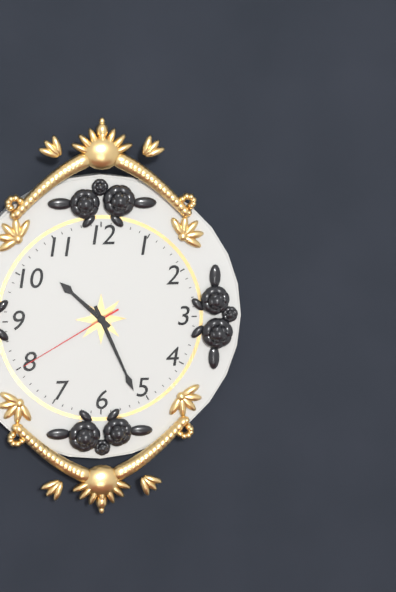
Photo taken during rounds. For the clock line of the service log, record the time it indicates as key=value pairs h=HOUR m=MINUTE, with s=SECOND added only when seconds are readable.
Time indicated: h=10 m=26 s=40
